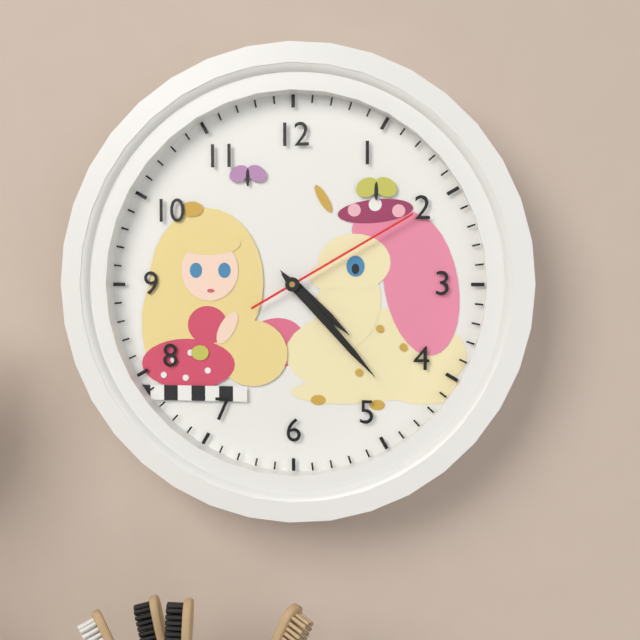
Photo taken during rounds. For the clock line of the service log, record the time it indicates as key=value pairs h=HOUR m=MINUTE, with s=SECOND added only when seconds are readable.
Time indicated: h=4 m=23 s=10
